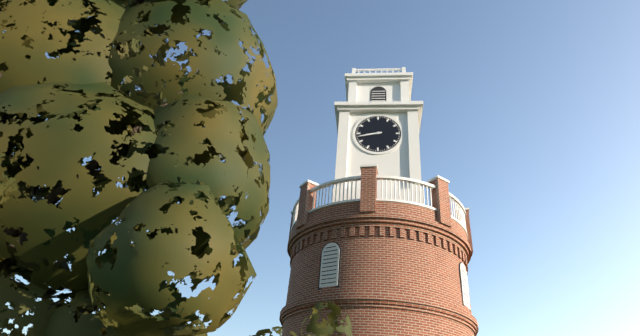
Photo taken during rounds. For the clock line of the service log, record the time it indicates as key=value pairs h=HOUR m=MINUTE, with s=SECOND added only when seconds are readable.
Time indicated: h=8 m=43
